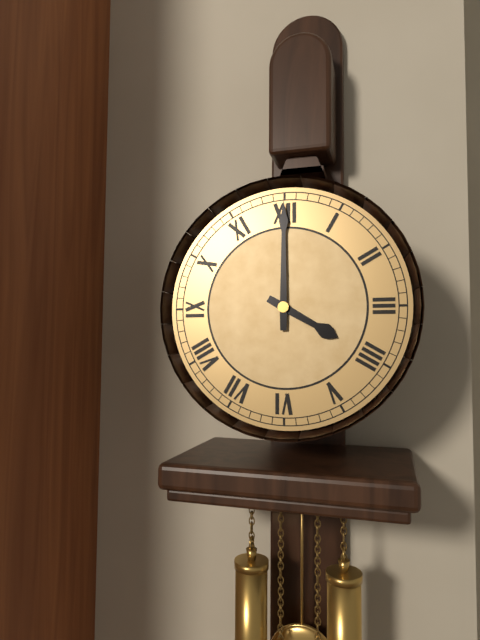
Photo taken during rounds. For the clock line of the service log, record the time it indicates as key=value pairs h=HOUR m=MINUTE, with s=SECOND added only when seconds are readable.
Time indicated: h=4 m=0
